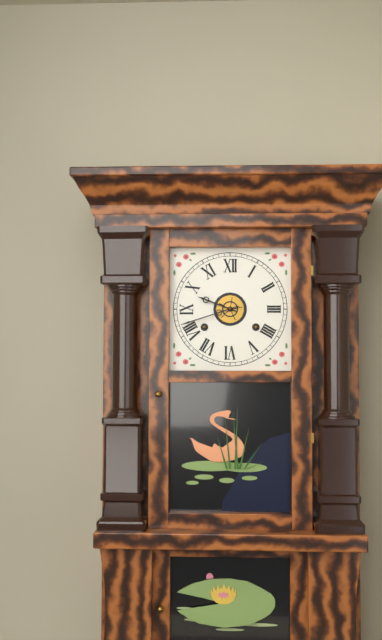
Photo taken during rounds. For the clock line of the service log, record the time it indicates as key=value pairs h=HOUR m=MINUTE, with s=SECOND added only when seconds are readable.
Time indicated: h=9 m=42
